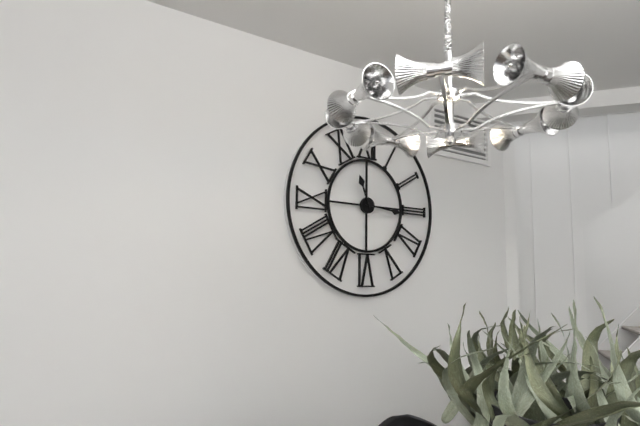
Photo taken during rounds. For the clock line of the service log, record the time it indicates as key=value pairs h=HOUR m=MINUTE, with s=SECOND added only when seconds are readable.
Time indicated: h=11 m=16
